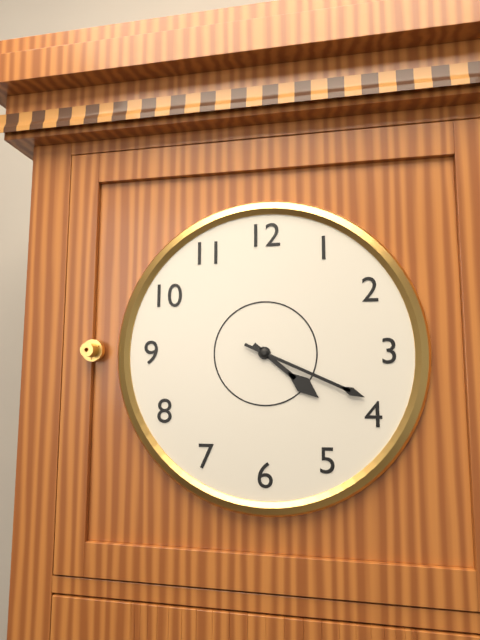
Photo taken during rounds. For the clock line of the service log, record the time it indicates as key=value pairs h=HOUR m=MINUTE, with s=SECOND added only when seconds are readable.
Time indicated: h=4 m=19
